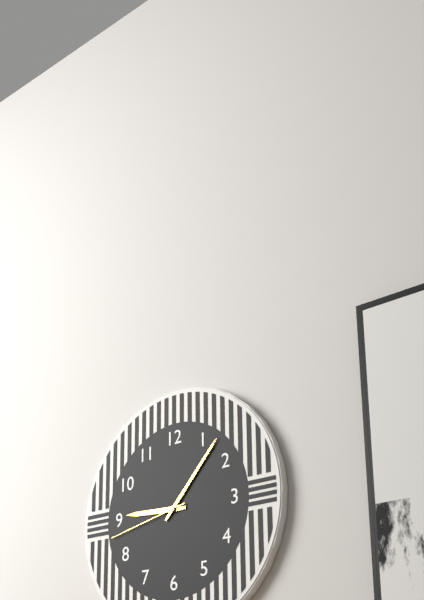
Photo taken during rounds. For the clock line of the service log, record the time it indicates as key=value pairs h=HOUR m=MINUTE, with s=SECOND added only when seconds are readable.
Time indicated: h=9 m=7 s=43
